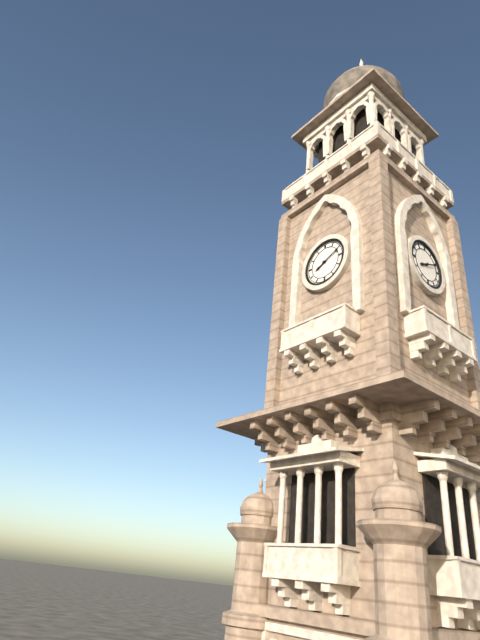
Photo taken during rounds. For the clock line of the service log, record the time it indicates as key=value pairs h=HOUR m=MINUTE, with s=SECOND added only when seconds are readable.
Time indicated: h=8 m=11
